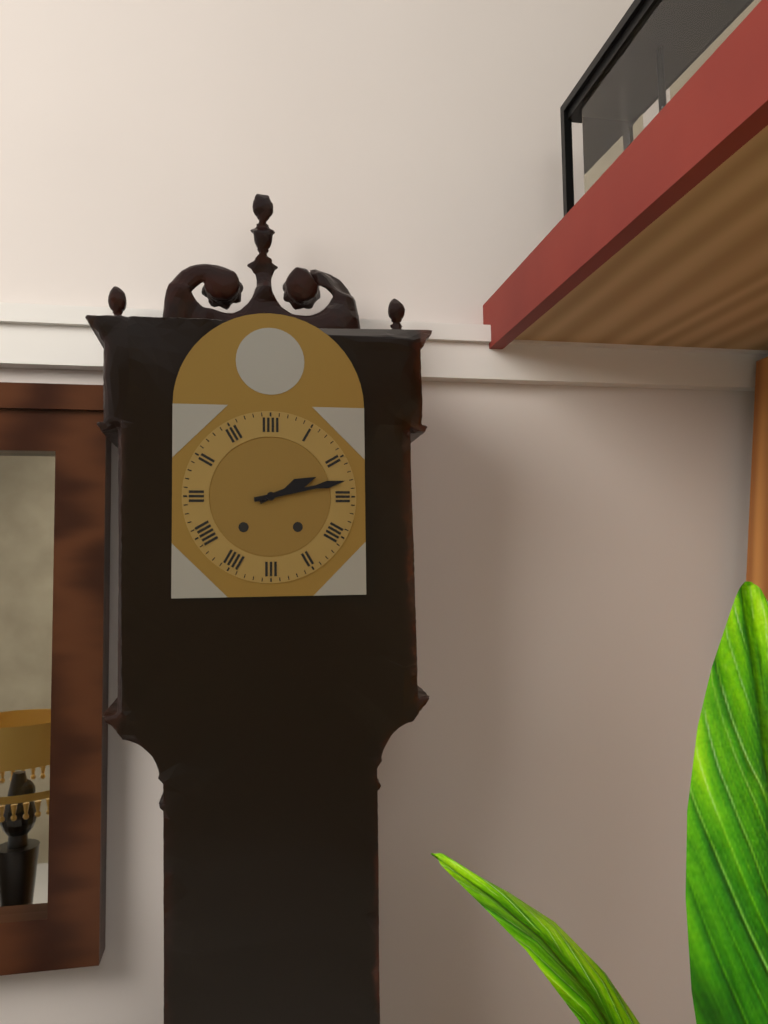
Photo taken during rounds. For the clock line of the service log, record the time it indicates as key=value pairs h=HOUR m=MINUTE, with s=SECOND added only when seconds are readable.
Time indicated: h=2 m=13
